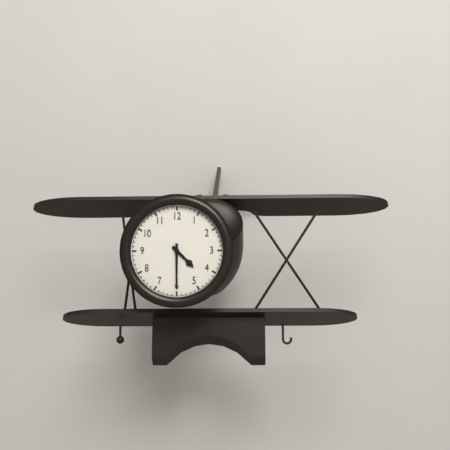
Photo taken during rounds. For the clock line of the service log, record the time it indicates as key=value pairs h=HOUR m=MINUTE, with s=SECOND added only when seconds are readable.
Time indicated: h=4 m=30
